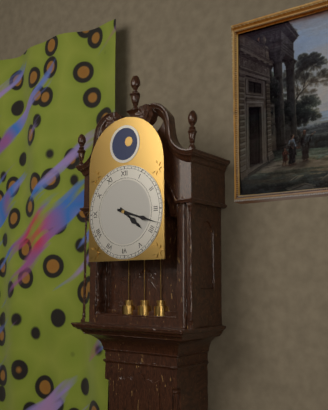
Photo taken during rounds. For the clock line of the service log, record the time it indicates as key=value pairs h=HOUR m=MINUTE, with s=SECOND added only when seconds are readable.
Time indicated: h=4 m=18
